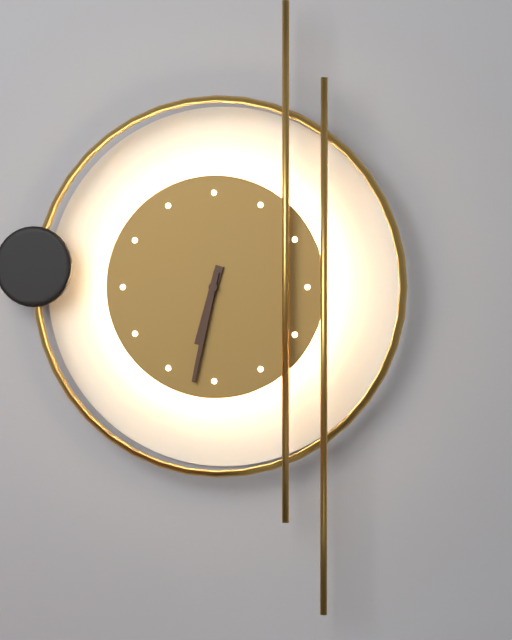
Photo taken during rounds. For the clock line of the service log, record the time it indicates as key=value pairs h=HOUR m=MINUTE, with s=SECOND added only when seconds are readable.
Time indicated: h=6 m=32
